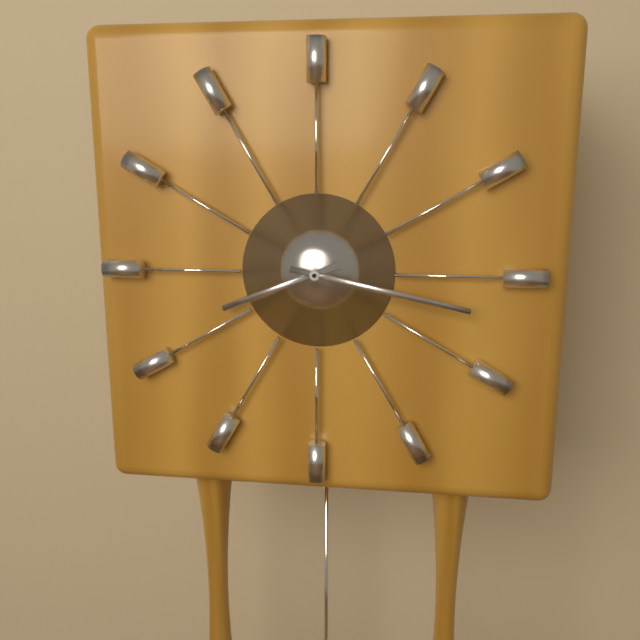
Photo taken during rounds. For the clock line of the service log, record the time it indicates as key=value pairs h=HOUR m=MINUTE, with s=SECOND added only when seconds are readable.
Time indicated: h=8 m=17
